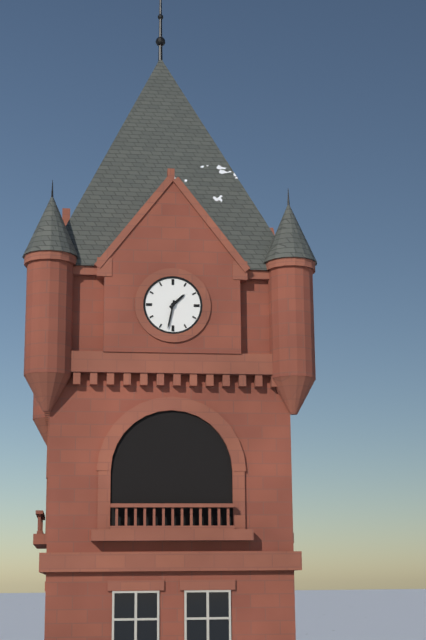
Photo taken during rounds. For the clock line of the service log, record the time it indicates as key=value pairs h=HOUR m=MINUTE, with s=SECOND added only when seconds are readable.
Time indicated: h=1 m=32
